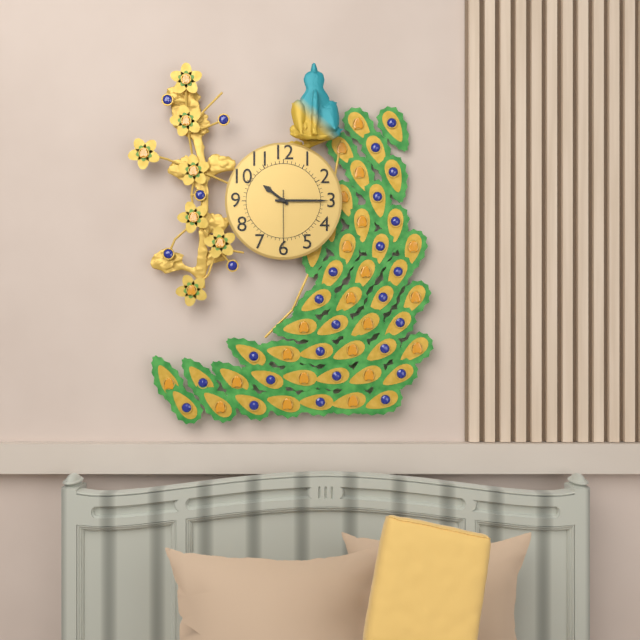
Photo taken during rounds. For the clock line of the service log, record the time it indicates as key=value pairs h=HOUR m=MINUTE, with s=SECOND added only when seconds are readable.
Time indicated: h=10 m=15 s=30
